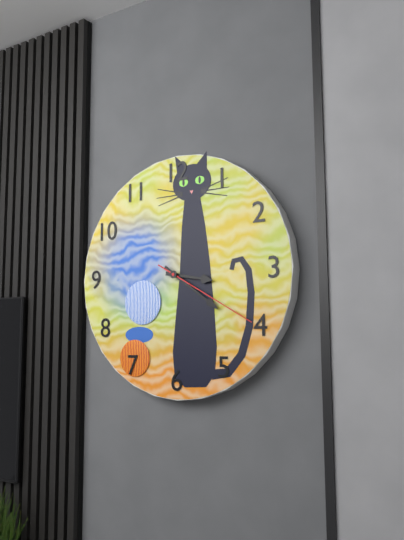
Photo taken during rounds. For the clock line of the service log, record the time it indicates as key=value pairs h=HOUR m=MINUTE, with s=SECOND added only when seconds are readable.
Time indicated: h=3 m=21 s=20
